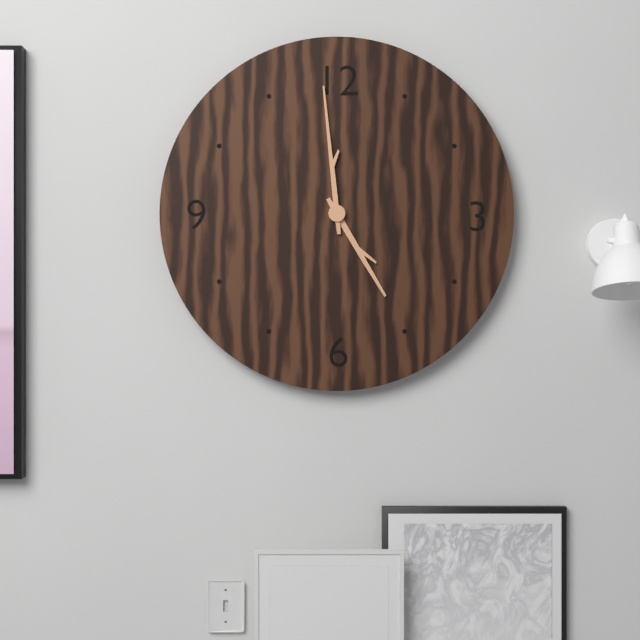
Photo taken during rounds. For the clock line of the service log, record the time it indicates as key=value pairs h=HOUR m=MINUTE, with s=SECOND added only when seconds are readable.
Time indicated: h=4 m=59
